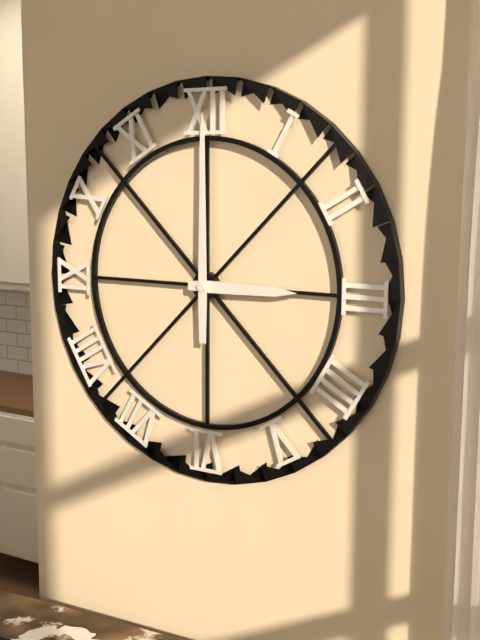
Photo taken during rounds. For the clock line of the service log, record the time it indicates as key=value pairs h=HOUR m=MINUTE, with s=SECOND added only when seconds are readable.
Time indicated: h=3 m=0
